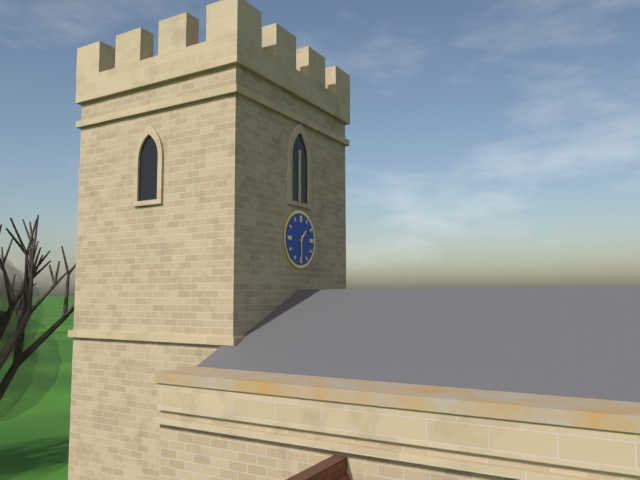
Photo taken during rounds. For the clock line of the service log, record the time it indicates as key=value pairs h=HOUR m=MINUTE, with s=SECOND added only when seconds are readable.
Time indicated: h=1 m=30
